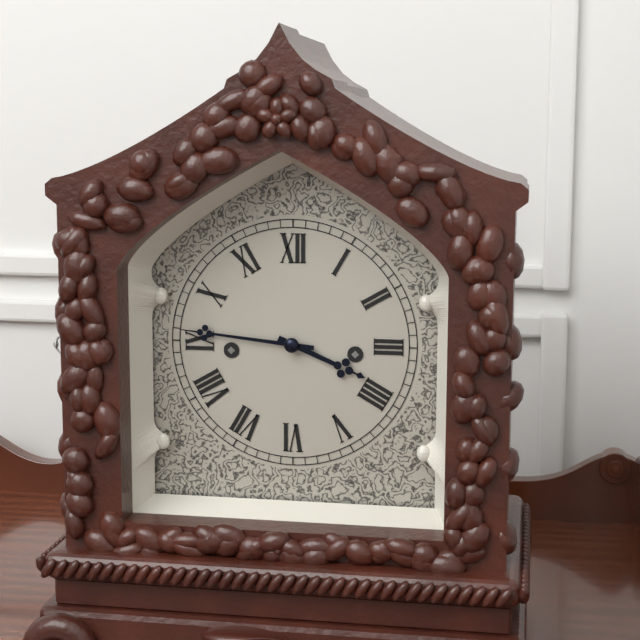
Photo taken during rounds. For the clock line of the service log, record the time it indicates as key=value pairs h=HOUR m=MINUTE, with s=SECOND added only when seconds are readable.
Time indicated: h=3 m=46
